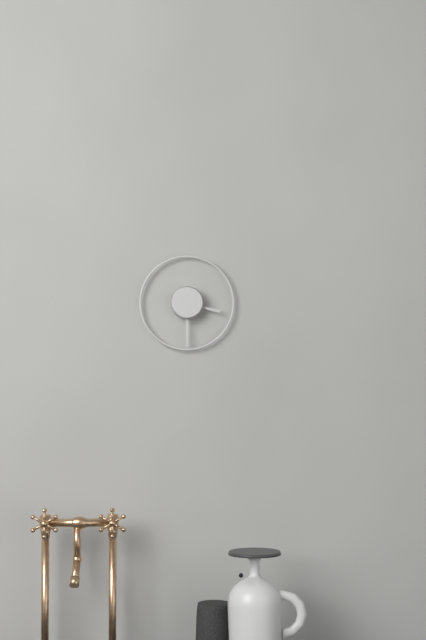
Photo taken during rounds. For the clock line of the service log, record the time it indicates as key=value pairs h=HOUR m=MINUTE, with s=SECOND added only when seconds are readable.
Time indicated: h=3 m=30
